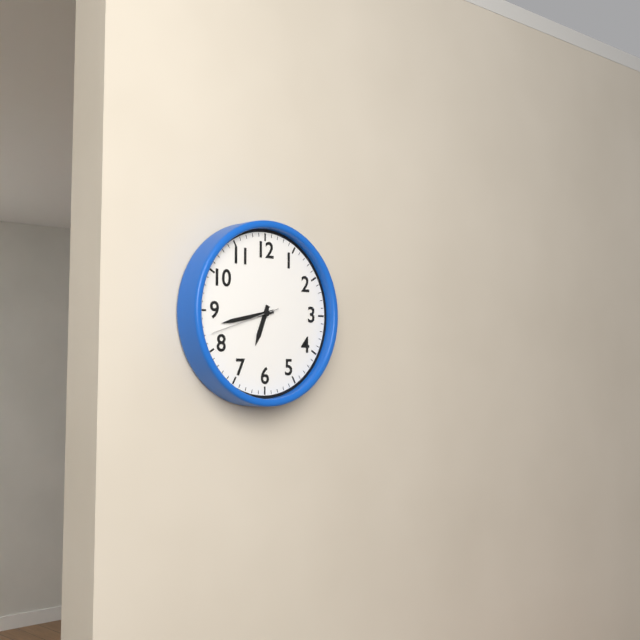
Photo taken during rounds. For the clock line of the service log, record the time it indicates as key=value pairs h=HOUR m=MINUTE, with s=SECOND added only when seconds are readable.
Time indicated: h=6 m=43 s=42
